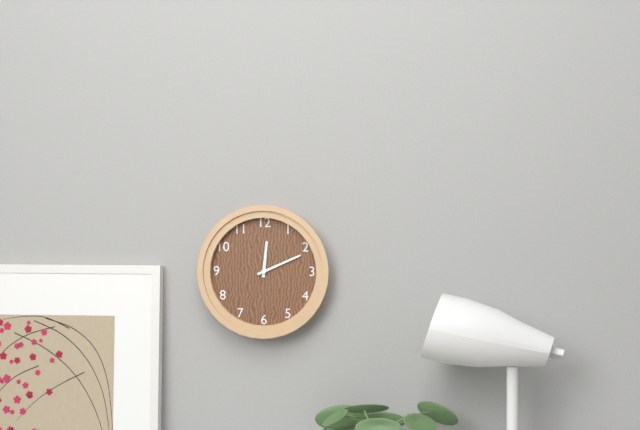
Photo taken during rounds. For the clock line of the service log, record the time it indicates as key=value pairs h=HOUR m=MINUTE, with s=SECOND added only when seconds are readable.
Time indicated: h=12 m=11
